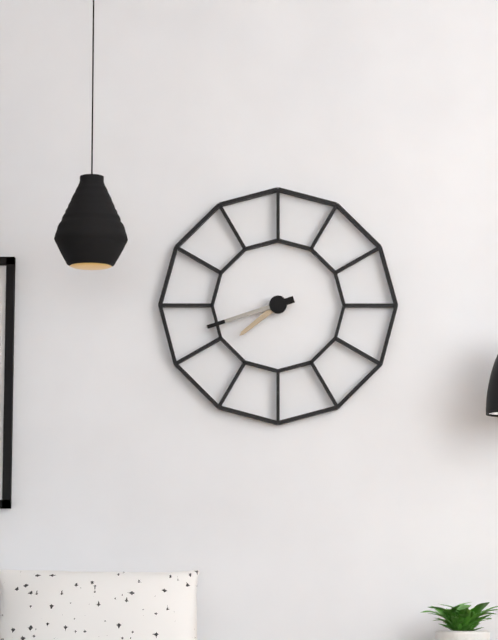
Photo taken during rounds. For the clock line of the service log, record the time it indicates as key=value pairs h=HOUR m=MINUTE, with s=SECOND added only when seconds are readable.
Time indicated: h=7 m=42
